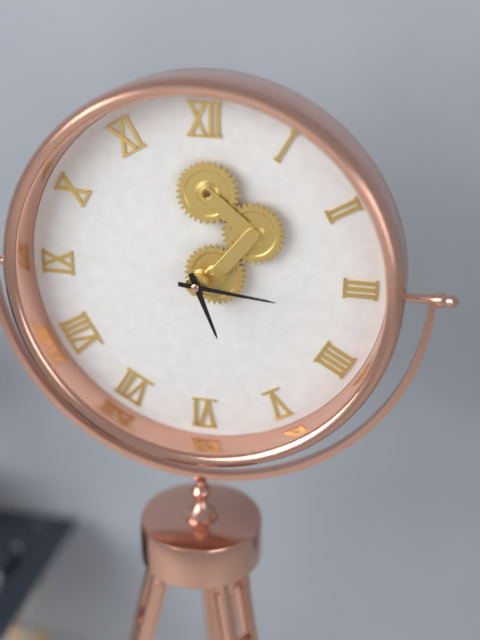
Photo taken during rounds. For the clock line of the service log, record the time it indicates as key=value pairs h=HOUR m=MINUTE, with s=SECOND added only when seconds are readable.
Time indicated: h=5 m=16
